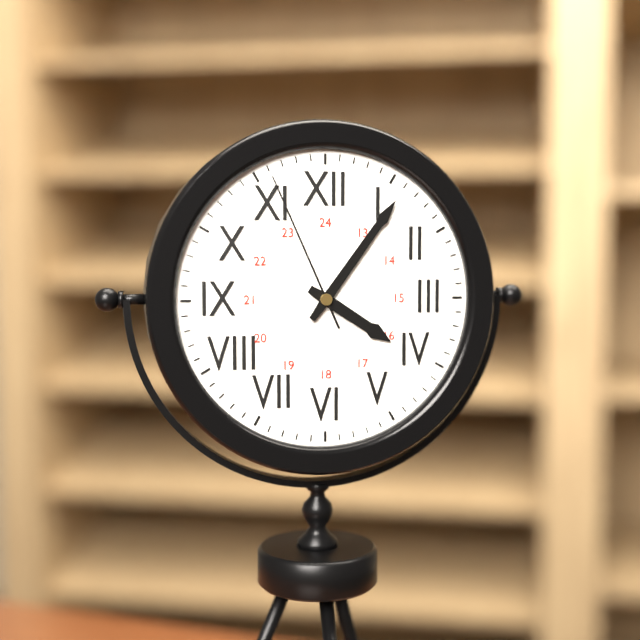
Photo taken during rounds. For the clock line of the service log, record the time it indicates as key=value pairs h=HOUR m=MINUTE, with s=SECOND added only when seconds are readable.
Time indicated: h=4 m=6 s=56
